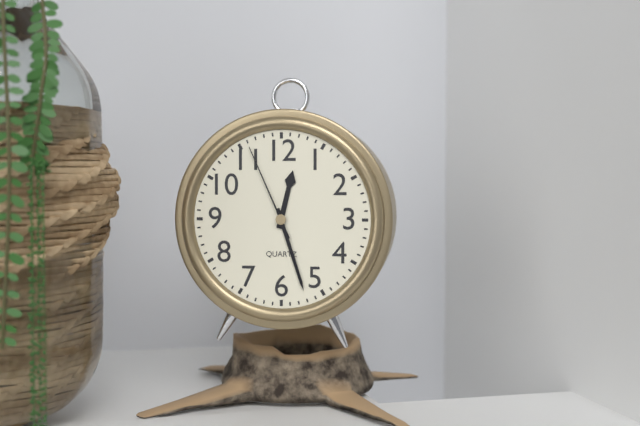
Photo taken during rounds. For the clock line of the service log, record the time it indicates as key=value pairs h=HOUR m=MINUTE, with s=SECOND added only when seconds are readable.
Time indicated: h=12 m=27 s=56
